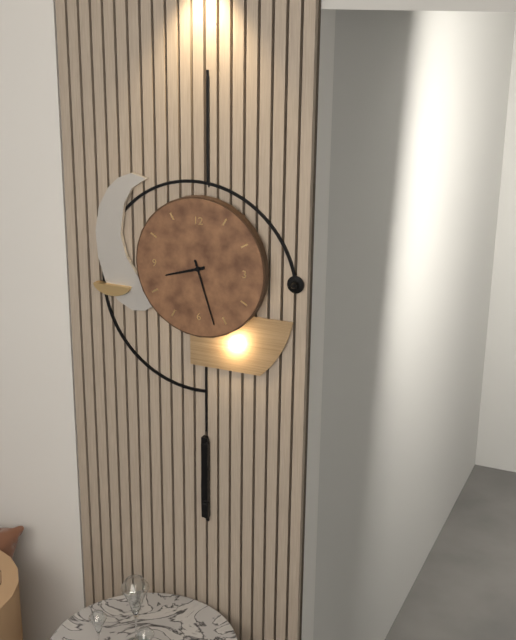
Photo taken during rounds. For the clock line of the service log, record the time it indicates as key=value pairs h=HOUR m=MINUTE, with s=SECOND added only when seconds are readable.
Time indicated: h=8 m=27
